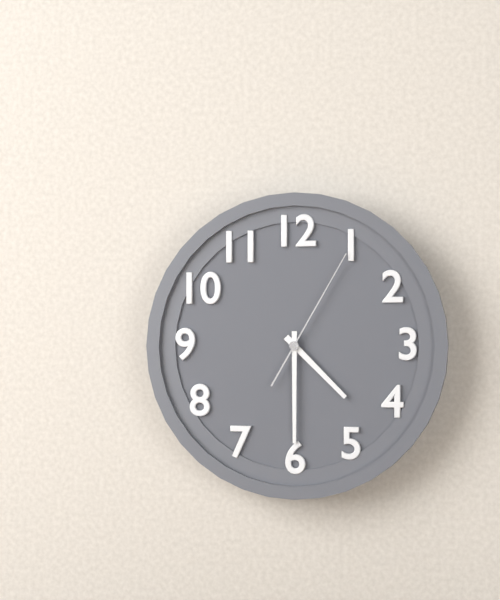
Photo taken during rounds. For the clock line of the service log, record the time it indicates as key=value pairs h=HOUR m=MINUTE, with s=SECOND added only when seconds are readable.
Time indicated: h=4 m=30 s=5
